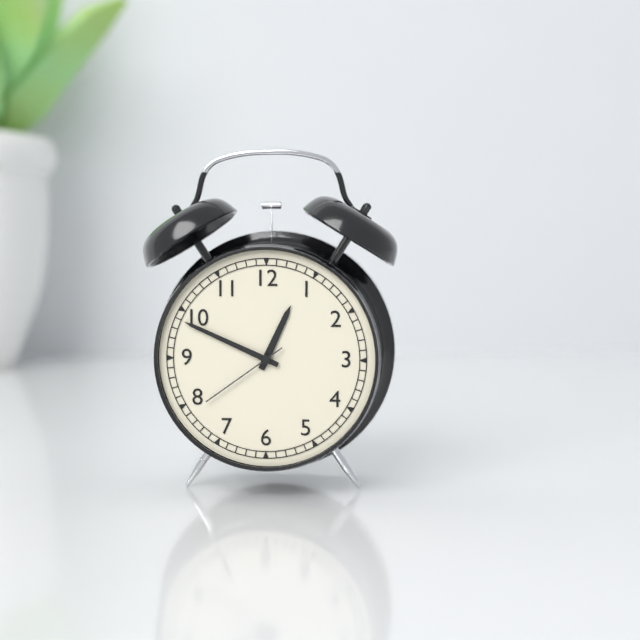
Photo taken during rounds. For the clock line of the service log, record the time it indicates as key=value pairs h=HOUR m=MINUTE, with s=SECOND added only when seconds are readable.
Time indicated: h=12 m=49 s=39
